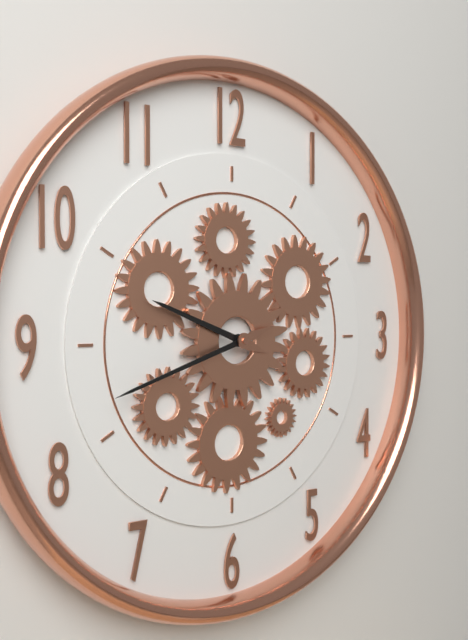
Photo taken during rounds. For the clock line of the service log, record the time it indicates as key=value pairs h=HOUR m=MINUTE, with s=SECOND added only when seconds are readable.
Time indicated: h=9 m=42
